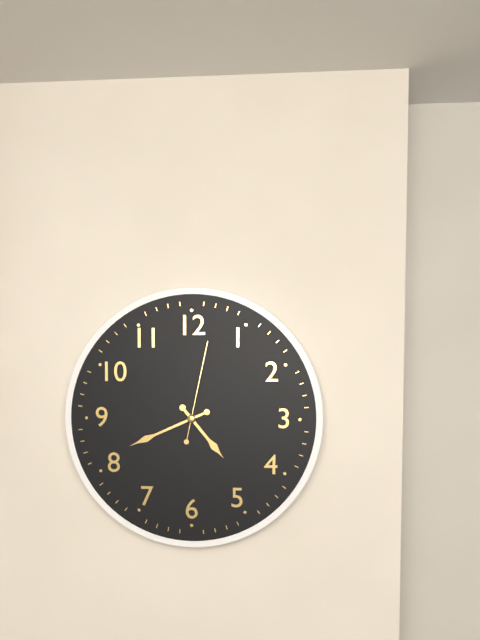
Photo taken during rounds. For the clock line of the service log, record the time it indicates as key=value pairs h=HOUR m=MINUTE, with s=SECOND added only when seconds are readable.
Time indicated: h=4 m=41 s=2
